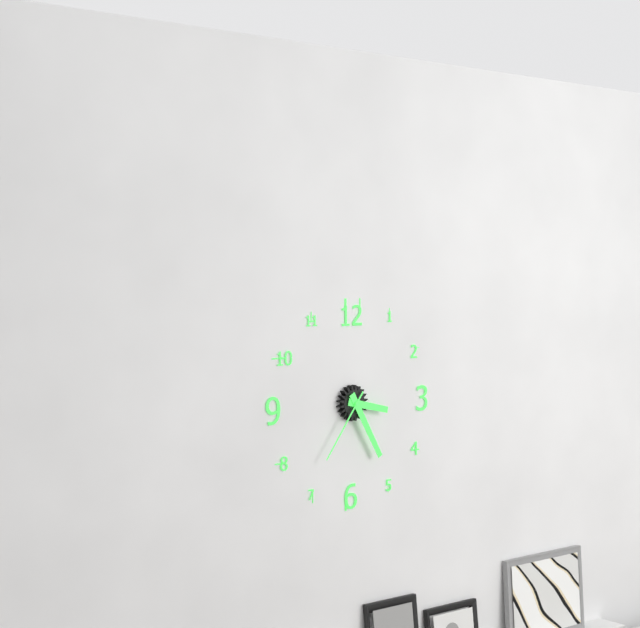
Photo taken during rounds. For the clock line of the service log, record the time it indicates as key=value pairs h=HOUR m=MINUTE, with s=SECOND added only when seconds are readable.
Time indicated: h=3 m=25 s=36
